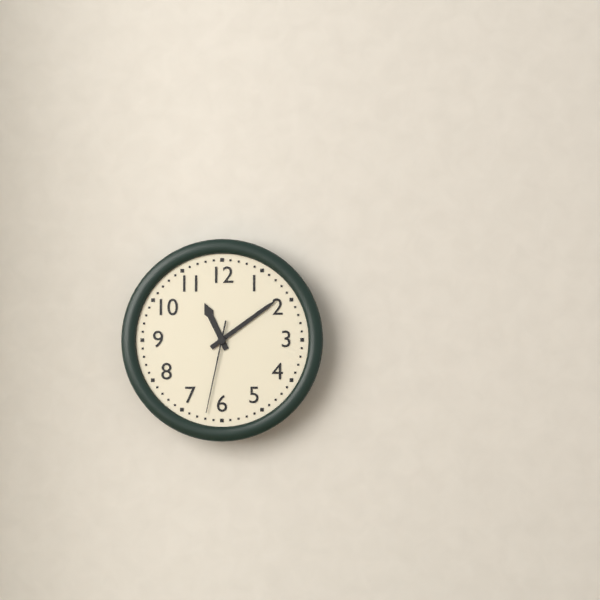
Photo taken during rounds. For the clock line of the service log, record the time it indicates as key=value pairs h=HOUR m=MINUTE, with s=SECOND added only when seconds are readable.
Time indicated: h=11 m=9 s=32
